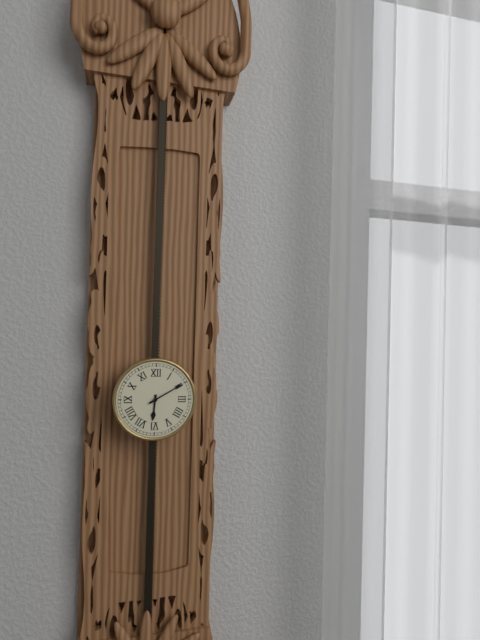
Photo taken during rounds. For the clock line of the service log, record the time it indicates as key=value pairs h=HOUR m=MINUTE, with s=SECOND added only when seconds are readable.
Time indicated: h=6 m=10
